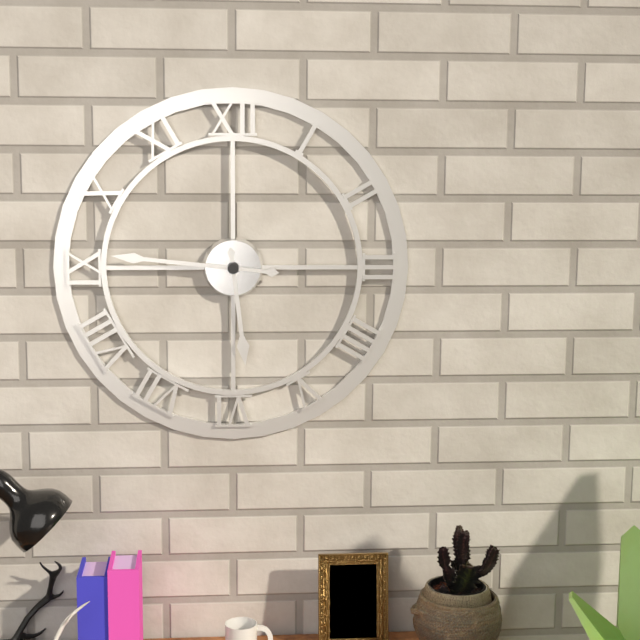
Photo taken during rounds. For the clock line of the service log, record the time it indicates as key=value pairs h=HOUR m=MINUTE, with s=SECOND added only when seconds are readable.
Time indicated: h=5 m=46
